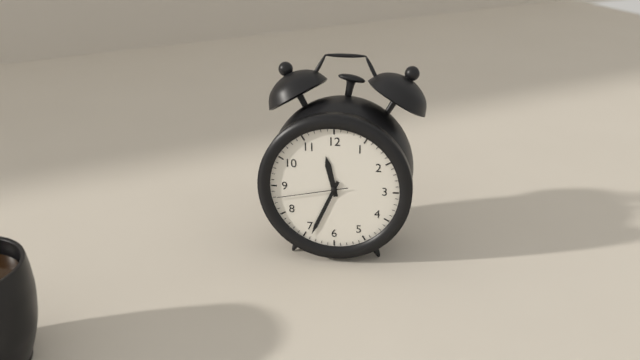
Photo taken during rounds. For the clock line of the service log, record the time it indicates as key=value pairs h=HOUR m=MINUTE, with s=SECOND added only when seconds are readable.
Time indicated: h=11 m=34 s=43
